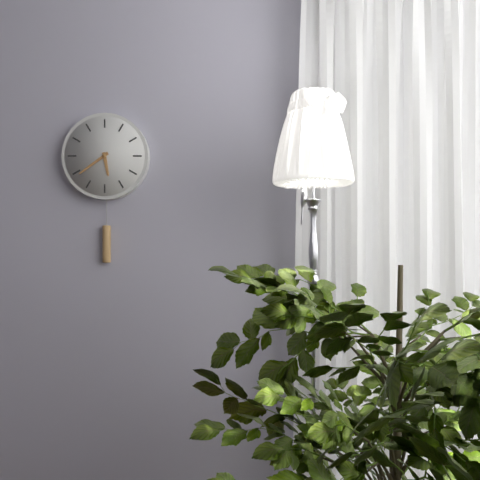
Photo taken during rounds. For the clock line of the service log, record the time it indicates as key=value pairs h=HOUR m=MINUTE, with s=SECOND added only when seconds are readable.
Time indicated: h=5 m=39
